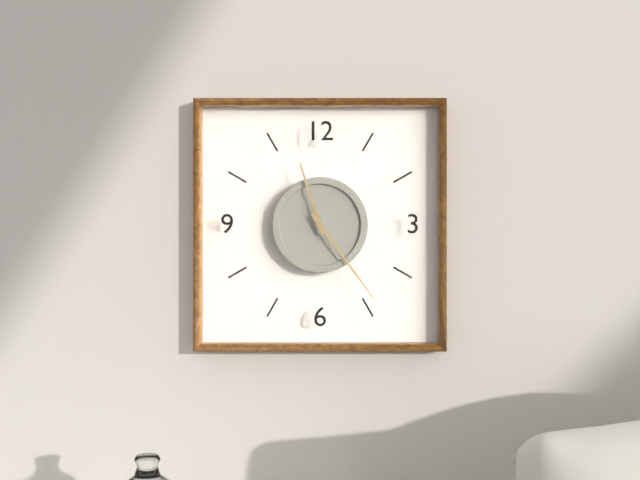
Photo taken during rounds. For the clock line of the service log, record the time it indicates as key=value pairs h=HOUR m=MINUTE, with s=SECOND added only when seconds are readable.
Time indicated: h=11 m=24
